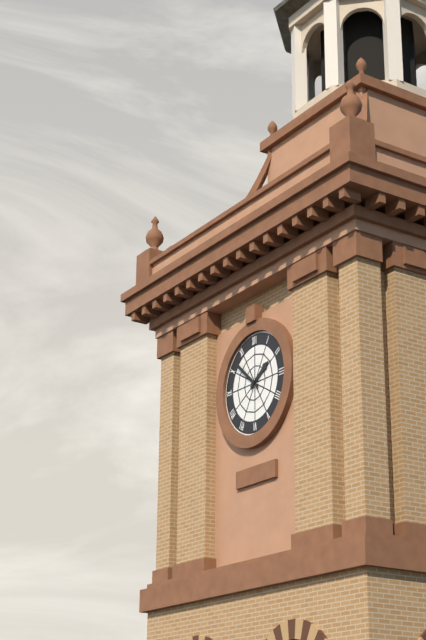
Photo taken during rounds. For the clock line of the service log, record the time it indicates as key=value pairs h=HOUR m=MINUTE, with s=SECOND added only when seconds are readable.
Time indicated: h=1 m=52
